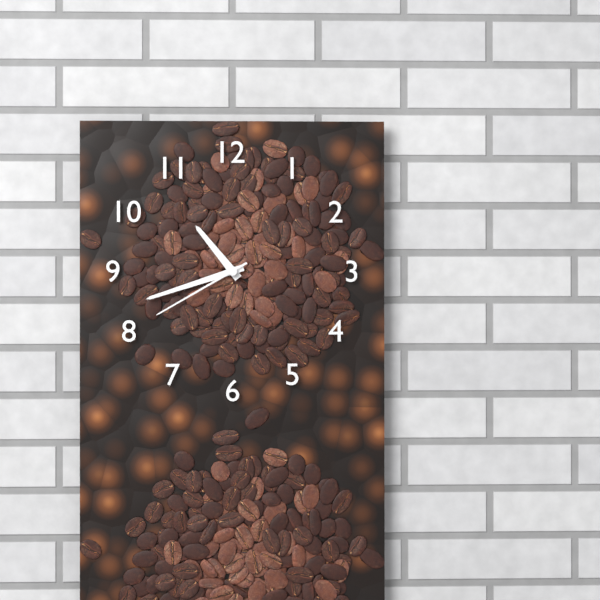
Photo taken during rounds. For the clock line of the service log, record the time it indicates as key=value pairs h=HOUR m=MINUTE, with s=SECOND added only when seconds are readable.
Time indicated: h=10 m=42 s=40
